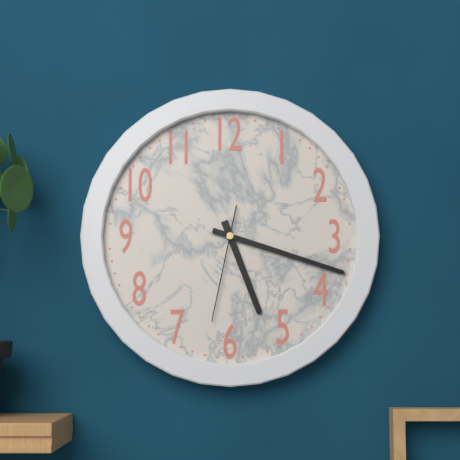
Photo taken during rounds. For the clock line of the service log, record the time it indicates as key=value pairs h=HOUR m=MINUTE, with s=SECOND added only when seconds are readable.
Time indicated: h=5 m=18 s=32
